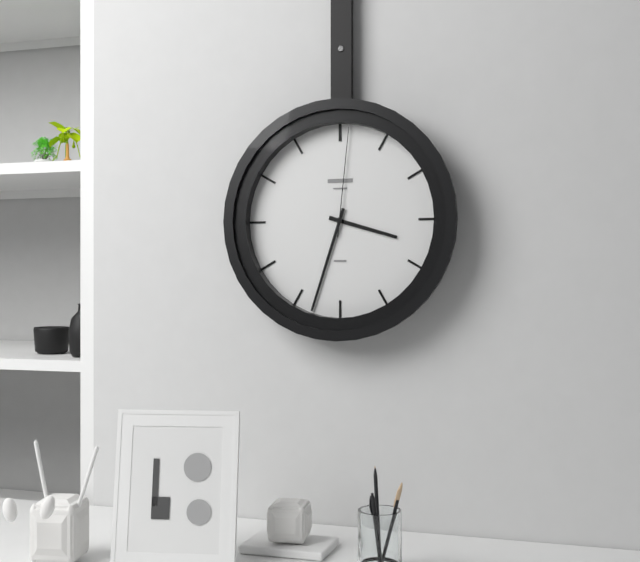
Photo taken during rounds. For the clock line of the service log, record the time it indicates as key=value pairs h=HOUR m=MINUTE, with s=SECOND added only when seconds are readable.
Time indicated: h=3 m=33 s=1
